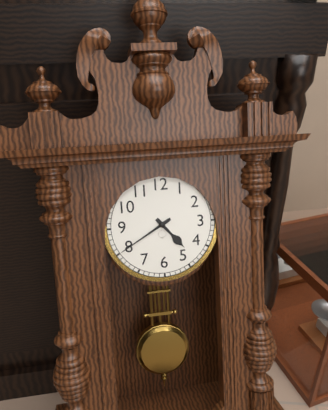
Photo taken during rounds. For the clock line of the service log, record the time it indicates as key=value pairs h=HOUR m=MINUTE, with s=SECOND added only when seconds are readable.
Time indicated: h=4 m=40
